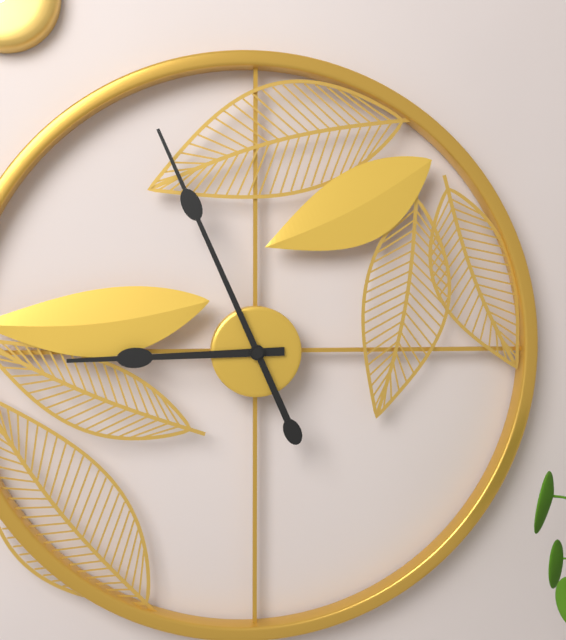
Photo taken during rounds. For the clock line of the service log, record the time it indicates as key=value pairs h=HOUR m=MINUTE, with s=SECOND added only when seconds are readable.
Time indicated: h=8 m=56
